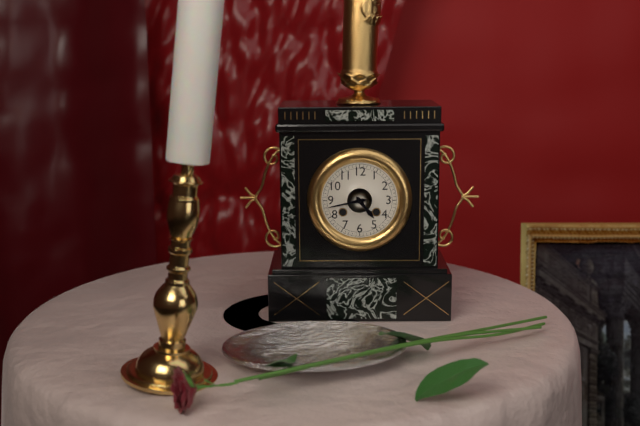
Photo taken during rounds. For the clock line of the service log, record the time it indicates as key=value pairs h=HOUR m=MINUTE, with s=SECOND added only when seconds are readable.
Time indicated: h=4 m=43
